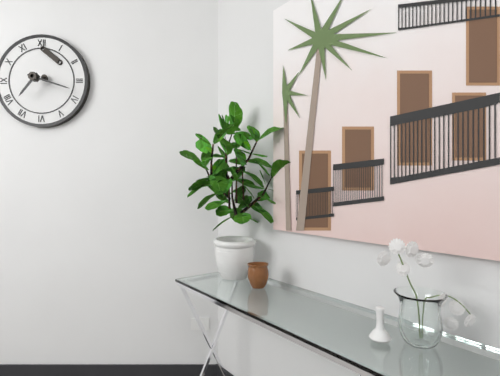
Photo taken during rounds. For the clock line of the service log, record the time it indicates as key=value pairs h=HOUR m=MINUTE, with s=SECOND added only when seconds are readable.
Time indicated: h=7 m=18
